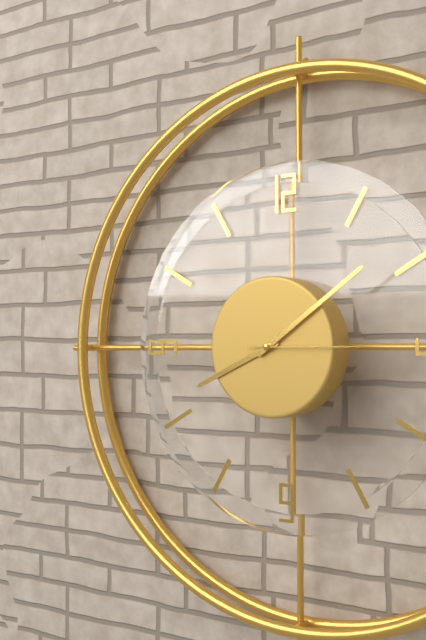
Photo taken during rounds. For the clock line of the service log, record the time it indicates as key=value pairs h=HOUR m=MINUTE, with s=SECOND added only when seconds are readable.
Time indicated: h=8 m=9 s=15
